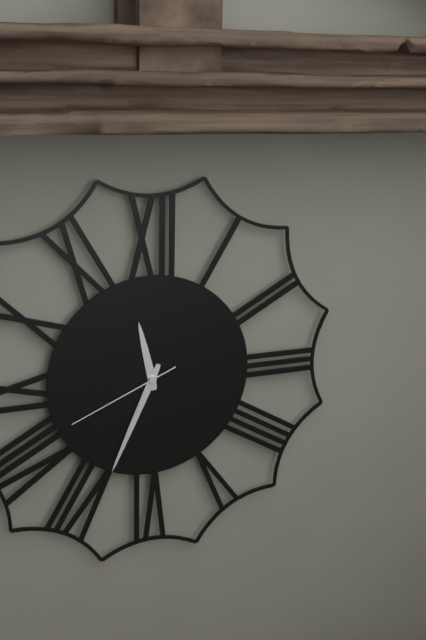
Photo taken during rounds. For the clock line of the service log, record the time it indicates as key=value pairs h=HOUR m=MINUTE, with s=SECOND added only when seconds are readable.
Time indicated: h=11 m=34 s=41
